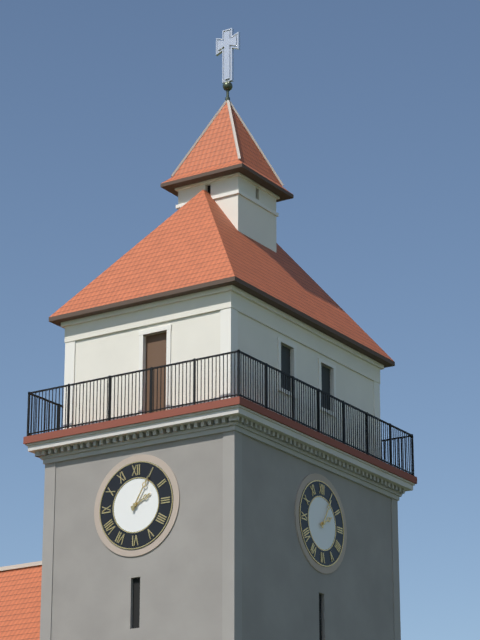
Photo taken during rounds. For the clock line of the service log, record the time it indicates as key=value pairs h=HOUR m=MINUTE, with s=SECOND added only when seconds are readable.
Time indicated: h=2 m=5
